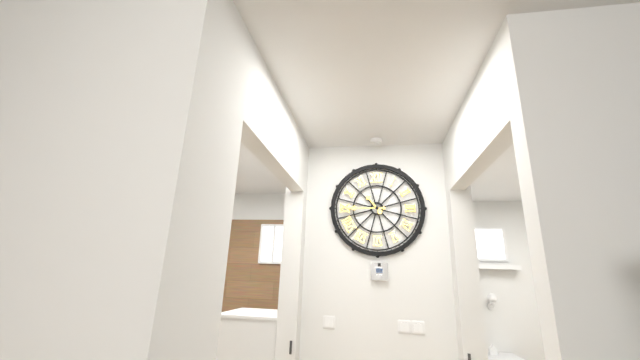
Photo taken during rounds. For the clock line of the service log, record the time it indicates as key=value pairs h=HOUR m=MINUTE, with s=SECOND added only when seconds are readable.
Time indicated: h=10 m=45
